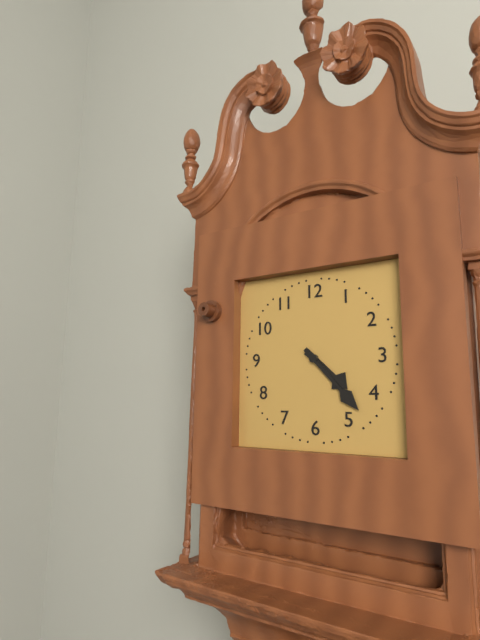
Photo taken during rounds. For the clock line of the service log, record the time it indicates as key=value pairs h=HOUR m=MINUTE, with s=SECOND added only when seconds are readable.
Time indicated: h=4 m=23
